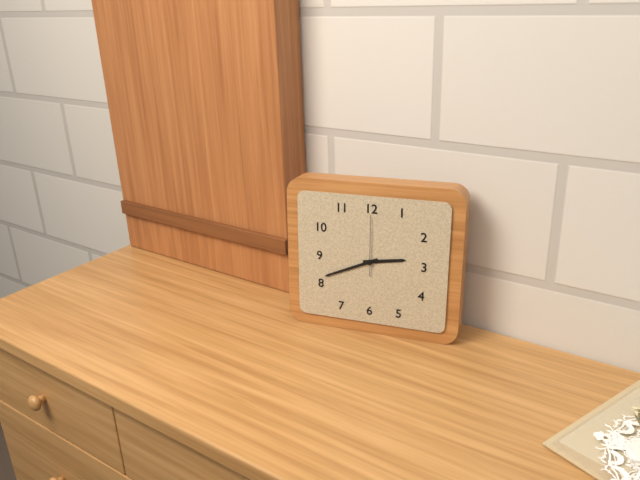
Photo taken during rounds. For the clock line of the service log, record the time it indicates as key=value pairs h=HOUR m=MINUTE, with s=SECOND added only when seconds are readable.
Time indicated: h=2 m=41 s=0
